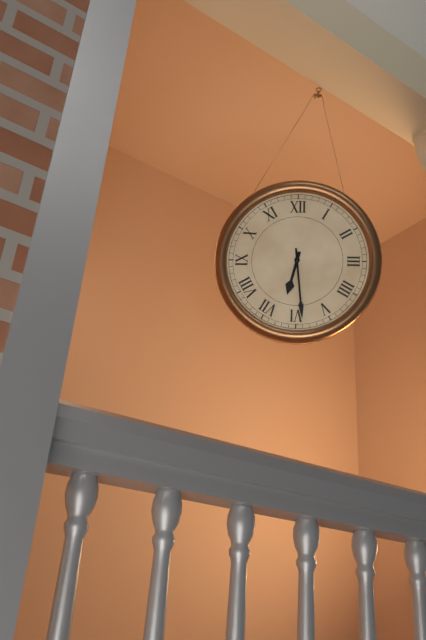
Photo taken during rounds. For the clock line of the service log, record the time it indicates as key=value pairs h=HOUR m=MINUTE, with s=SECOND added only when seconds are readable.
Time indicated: h=6 m=29
